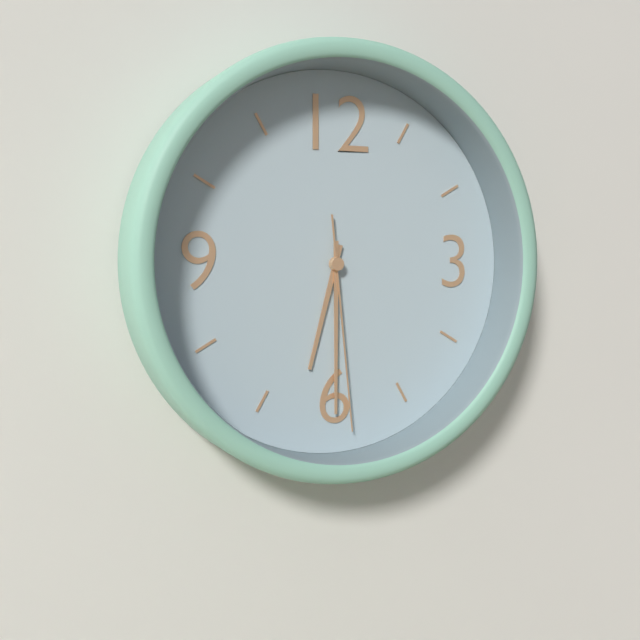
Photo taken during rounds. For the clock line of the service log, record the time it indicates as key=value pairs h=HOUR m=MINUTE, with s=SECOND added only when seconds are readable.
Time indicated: h=6 m=30 s=29
